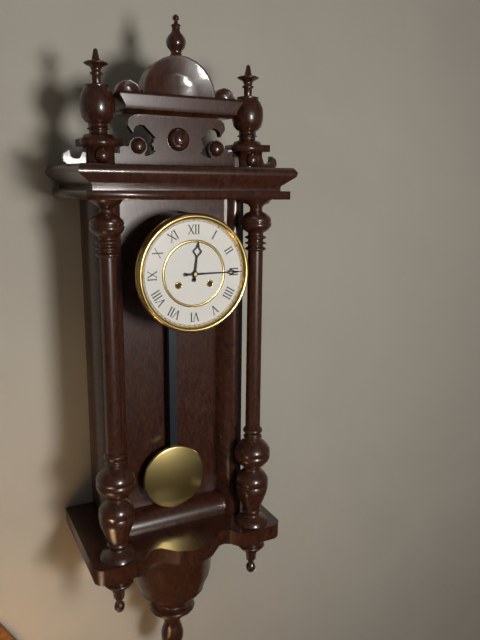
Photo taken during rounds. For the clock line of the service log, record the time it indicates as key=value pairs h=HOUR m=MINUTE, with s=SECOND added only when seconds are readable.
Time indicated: h=12 m=15
